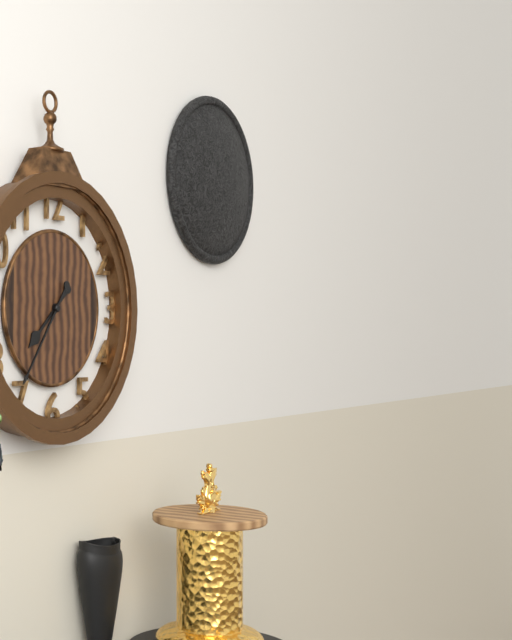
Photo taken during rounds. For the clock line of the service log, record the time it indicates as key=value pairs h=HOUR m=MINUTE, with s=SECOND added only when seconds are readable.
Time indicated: h=7 m=36
